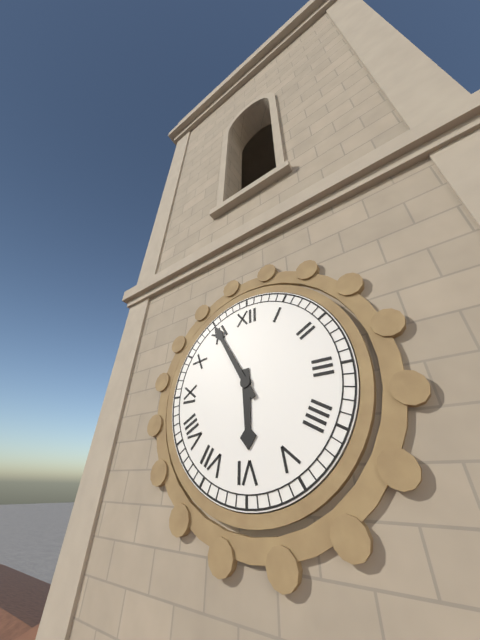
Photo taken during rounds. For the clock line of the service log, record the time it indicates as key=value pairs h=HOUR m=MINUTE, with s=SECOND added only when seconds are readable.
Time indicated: h=5 m=55
